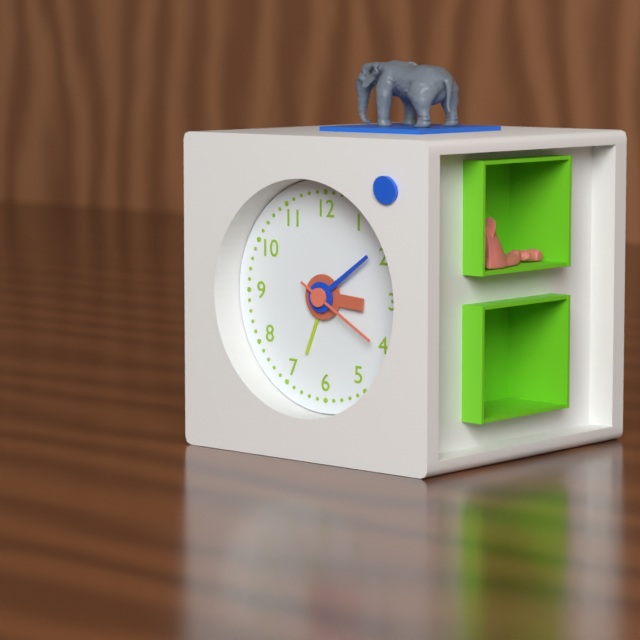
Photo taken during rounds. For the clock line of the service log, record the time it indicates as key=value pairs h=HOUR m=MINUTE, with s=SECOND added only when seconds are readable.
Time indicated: h=3 m=9 s=20
